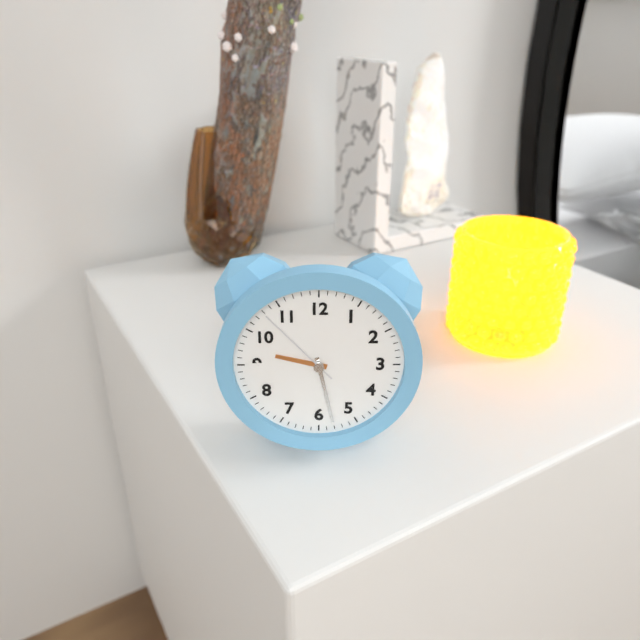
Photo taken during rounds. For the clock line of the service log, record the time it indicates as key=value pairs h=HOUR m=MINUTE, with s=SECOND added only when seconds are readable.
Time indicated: h=9 m=28 s=53
